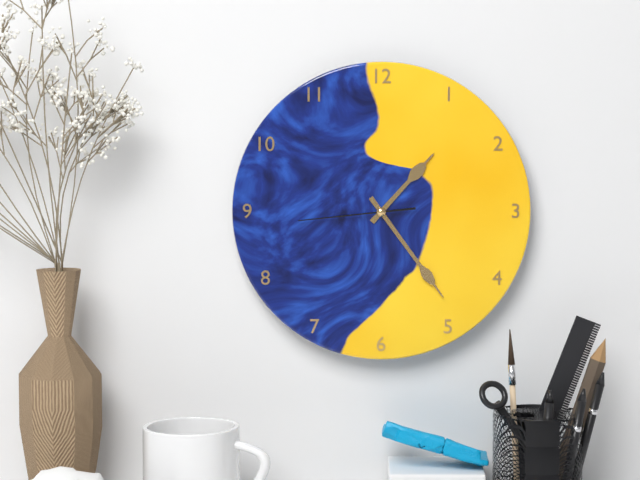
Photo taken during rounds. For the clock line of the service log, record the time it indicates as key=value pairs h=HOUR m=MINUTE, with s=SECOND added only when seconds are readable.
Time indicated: h=1 m=24 s=44
